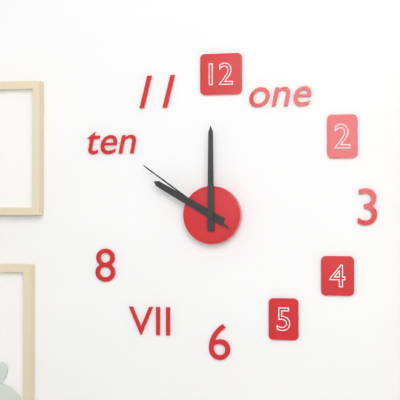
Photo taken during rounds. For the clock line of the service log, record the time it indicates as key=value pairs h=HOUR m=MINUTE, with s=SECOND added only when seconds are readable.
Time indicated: h=10 m=0 s=51
